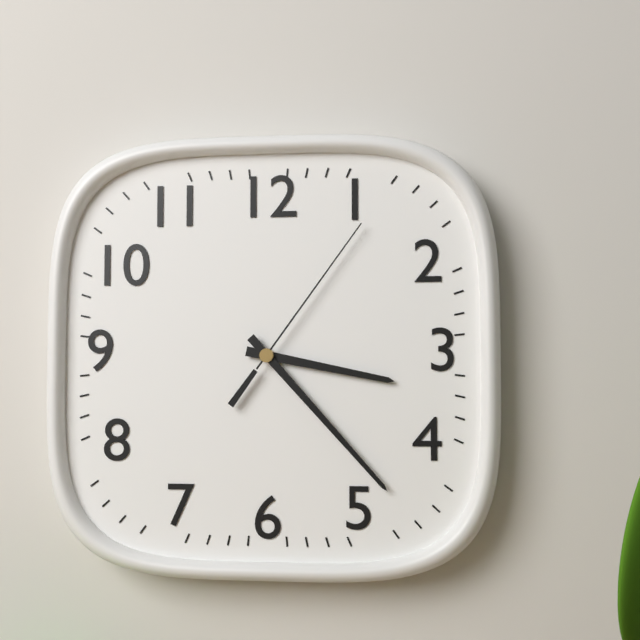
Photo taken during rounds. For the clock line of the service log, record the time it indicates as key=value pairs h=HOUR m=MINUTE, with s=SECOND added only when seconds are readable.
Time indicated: h=3 m=23 s=6
